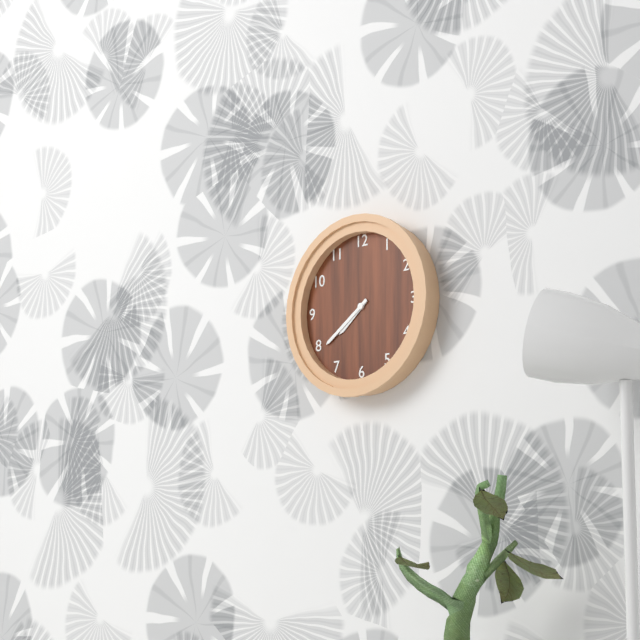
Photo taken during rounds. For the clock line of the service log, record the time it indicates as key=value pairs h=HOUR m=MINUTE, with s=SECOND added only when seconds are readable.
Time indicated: h=7 m=39
